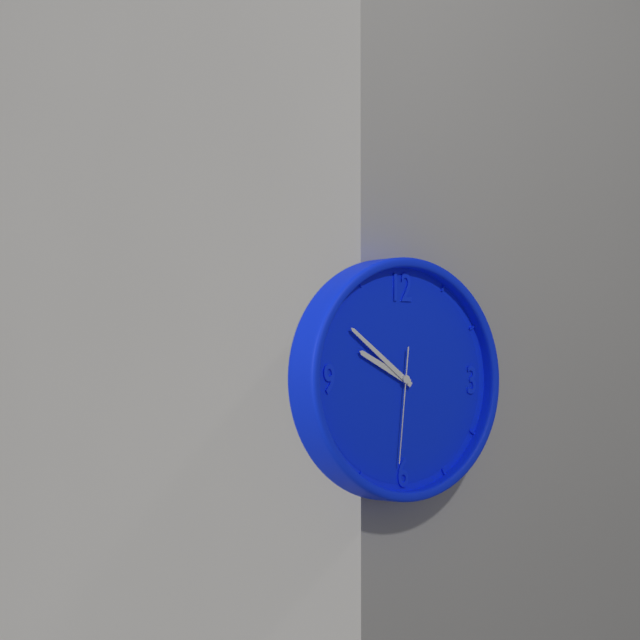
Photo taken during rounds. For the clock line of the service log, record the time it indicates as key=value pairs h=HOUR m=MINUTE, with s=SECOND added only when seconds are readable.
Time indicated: h=9 m=51 s=31
